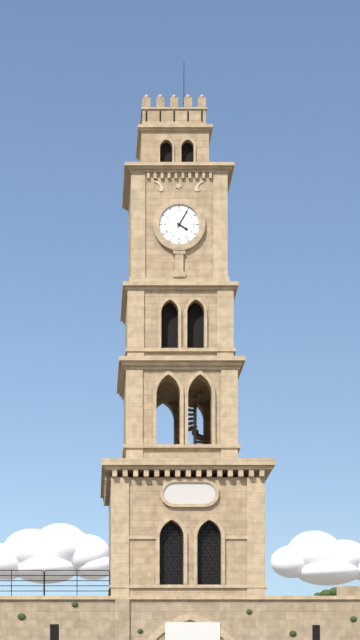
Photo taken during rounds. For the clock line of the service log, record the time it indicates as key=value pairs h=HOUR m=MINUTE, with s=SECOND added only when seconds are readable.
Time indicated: h=4 m=5
